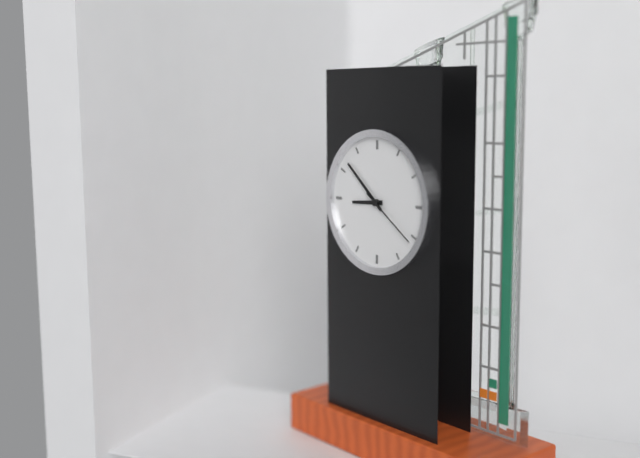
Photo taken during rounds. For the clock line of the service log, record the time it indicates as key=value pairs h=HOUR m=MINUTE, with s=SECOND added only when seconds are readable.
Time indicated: h=8 m=52 s=21
